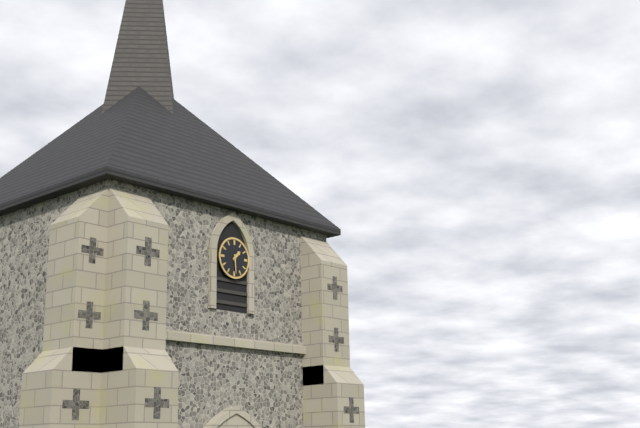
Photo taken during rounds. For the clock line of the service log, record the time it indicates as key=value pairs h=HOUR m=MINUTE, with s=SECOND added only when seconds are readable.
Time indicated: h=1 m=29
